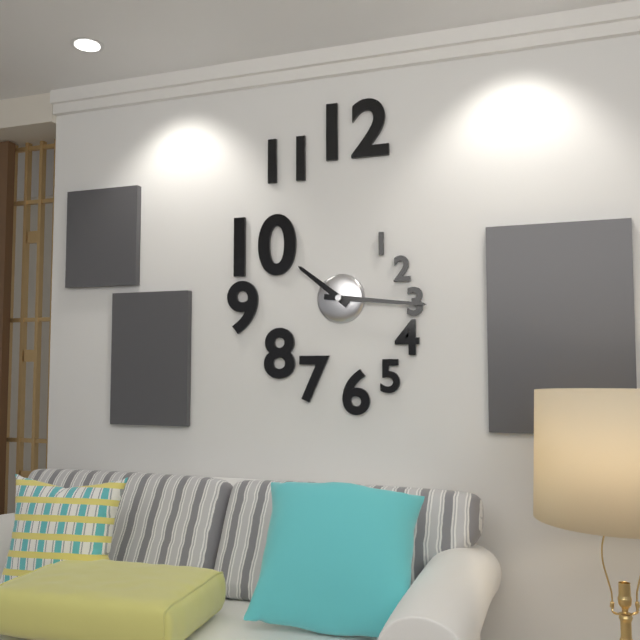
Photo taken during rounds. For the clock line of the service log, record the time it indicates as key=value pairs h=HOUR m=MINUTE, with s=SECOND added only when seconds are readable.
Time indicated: h=10 m=16
